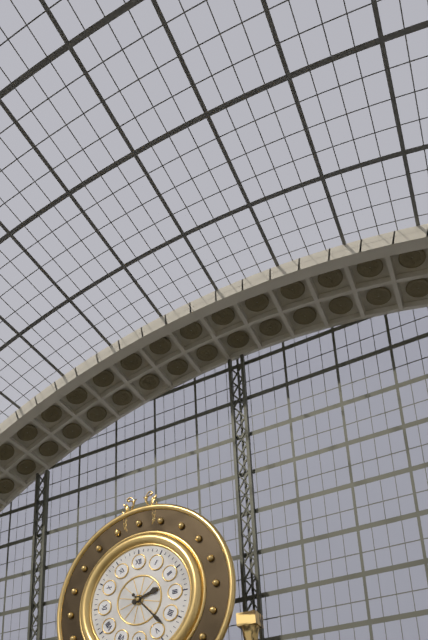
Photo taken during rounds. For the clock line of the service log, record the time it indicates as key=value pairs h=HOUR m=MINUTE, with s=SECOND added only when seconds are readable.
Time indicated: h=2 m=23
